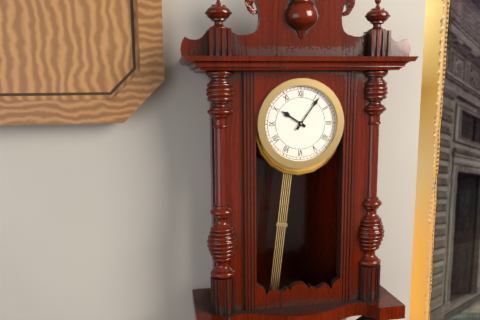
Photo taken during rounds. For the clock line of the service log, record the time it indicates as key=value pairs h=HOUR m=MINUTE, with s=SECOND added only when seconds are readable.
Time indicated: h=10 m=6
